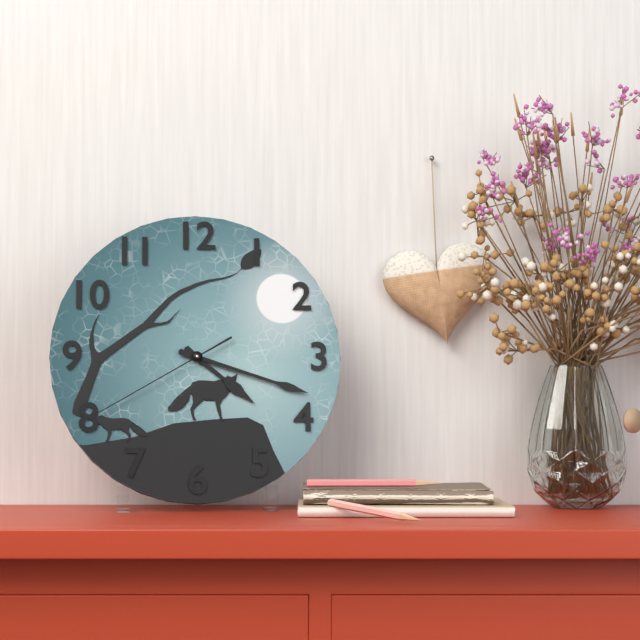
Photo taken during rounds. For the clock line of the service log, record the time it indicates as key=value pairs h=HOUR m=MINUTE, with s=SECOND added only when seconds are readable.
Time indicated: h=4 m=18 s=40
